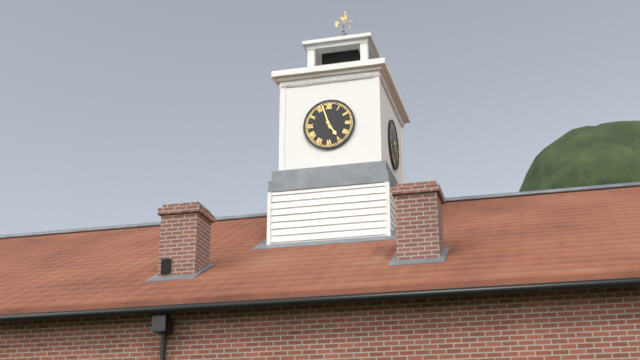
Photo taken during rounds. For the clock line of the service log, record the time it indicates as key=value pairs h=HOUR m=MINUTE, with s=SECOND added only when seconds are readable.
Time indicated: h=4 m=57
